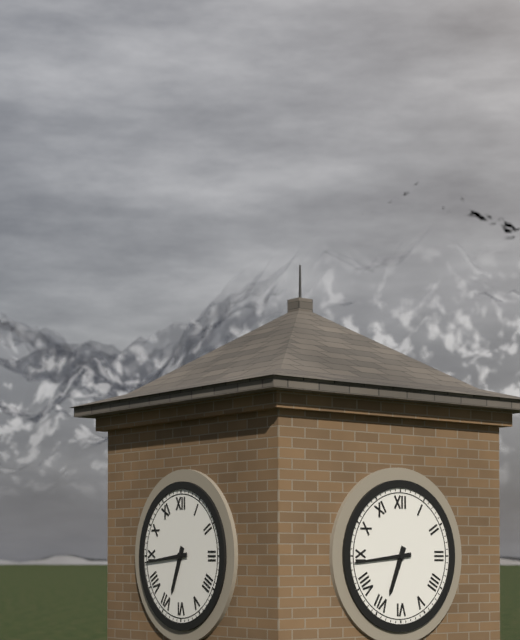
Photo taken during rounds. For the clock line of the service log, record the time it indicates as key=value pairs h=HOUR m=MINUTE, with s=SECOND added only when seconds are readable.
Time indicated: h=6 m=44
